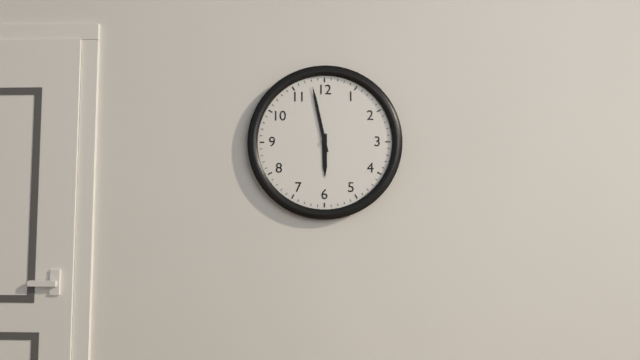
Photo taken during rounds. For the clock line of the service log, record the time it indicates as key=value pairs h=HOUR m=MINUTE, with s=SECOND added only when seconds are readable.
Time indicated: h=5 m=58
